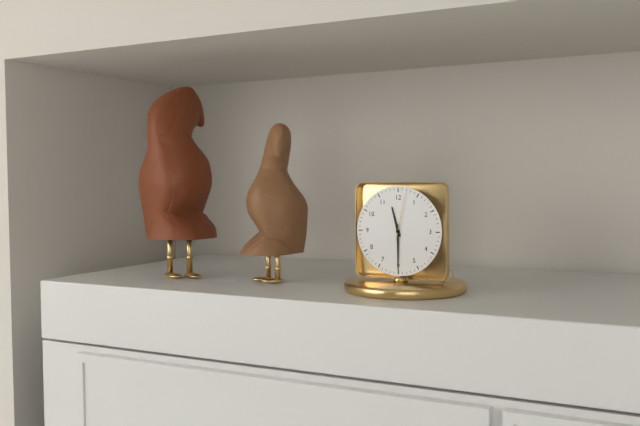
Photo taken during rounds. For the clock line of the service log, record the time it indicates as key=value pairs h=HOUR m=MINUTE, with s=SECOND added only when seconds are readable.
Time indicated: h=11 m=30 s=2
